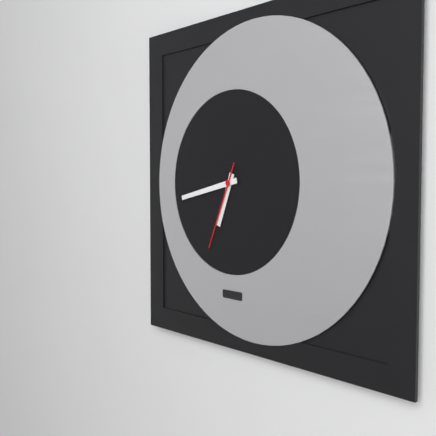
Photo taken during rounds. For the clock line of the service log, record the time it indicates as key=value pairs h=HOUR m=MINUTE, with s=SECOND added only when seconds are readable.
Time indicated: h=6 m=43 s=34
